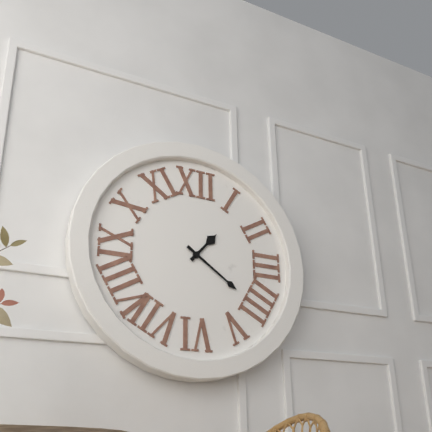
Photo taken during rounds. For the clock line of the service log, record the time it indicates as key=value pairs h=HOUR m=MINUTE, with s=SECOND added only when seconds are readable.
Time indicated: h=1 m=21
